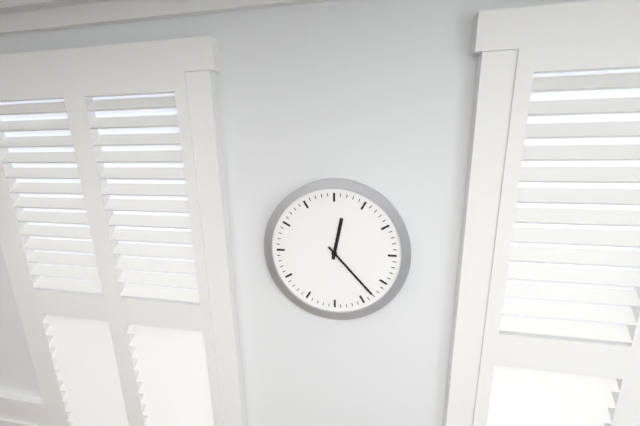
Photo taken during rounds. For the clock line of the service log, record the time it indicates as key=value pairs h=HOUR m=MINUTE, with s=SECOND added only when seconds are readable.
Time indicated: h=12 m=23
